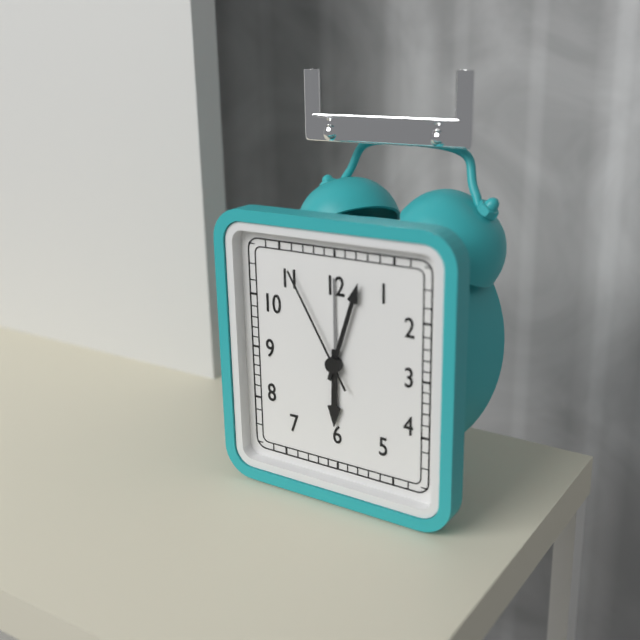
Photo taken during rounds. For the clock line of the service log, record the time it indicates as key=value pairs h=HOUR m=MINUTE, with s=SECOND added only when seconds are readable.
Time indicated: h=6 m=3 s=55
